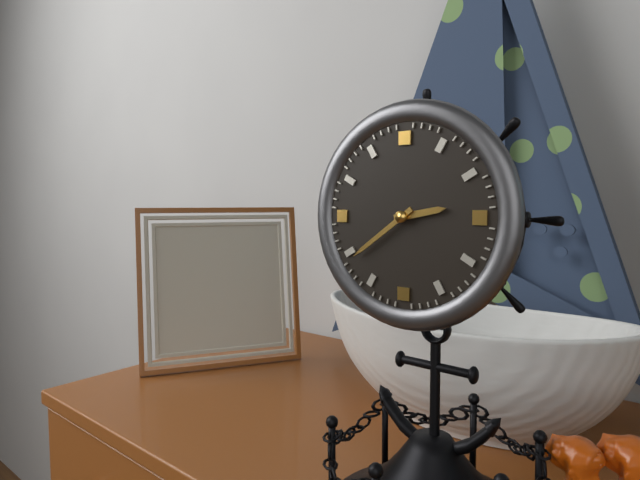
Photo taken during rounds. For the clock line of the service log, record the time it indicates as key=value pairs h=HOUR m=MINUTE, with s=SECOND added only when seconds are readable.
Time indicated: h=2 m=39
